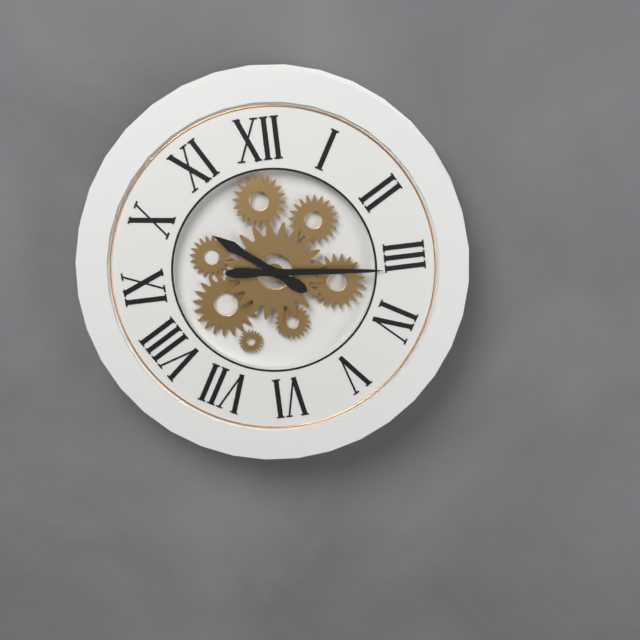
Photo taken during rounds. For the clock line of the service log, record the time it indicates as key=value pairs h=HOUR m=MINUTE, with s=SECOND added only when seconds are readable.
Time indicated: h=10 m=16
